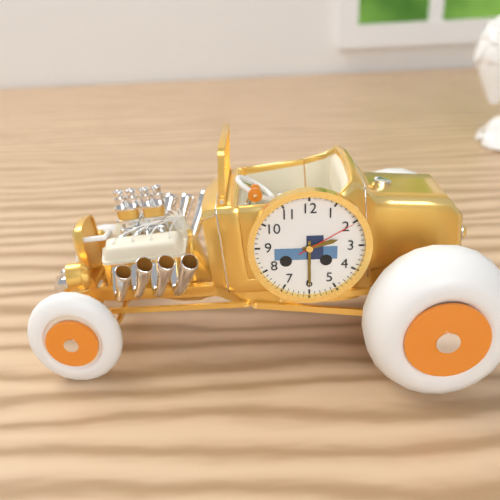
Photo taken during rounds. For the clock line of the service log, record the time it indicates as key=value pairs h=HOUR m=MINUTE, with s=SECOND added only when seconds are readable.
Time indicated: h=2 m=30 s=10
